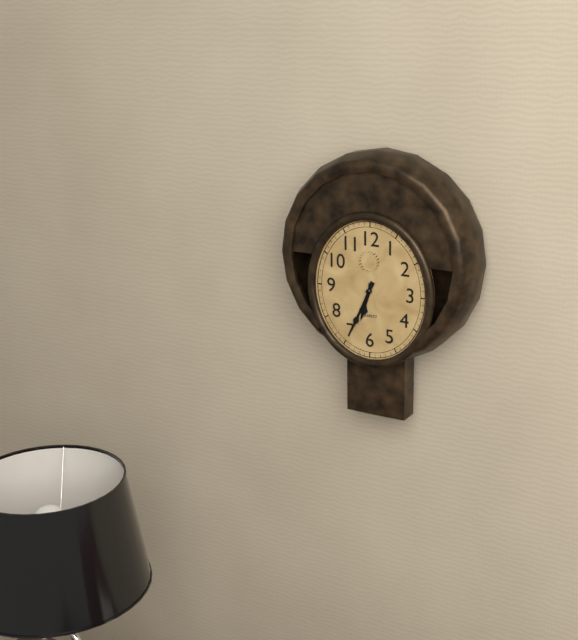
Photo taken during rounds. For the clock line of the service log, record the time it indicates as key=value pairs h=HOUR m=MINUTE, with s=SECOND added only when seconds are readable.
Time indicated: h=6 m=34
